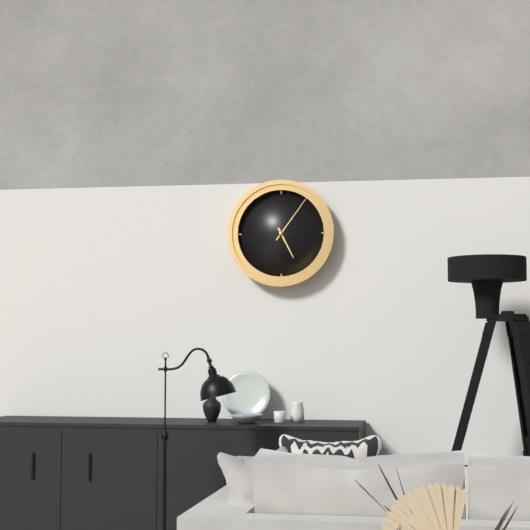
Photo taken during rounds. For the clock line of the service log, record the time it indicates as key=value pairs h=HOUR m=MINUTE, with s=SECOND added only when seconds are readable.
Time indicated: h=5 m=6
